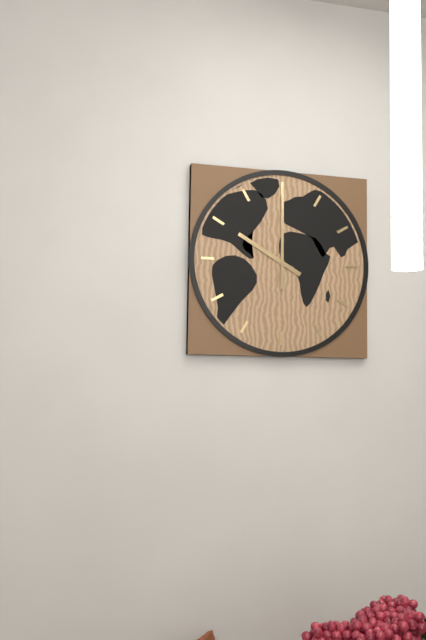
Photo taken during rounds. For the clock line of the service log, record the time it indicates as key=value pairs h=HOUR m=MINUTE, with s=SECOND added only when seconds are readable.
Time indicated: h=10 m=0
